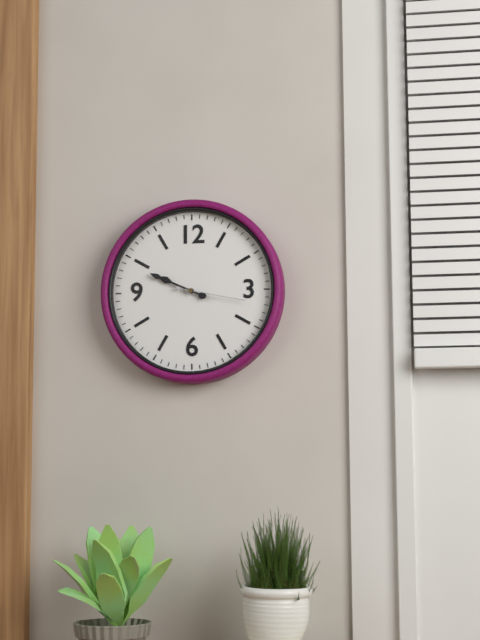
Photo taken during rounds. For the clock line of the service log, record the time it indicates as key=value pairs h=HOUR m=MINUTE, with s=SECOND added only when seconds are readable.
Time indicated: h=9 m=49 s=17
